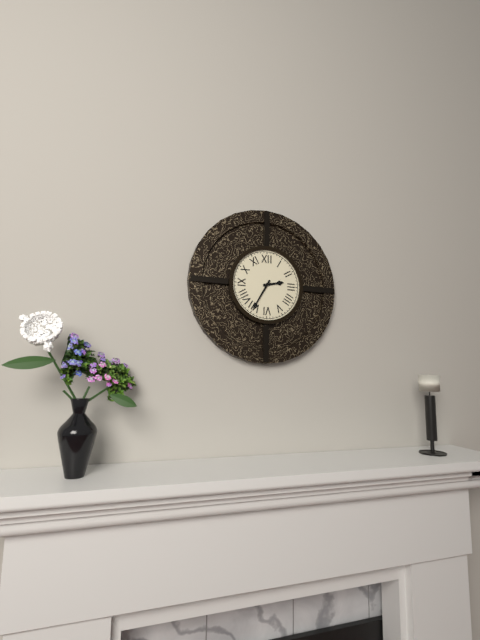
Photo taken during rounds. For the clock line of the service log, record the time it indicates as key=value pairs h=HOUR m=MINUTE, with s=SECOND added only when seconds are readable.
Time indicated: h=2 m=35
